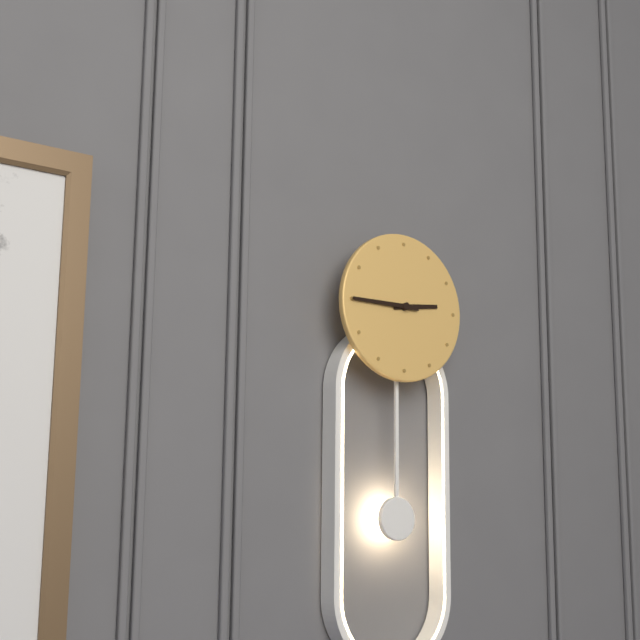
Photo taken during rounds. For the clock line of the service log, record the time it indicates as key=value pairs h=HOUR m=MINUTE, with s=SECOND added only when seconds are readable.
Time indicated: h=2 m=45
